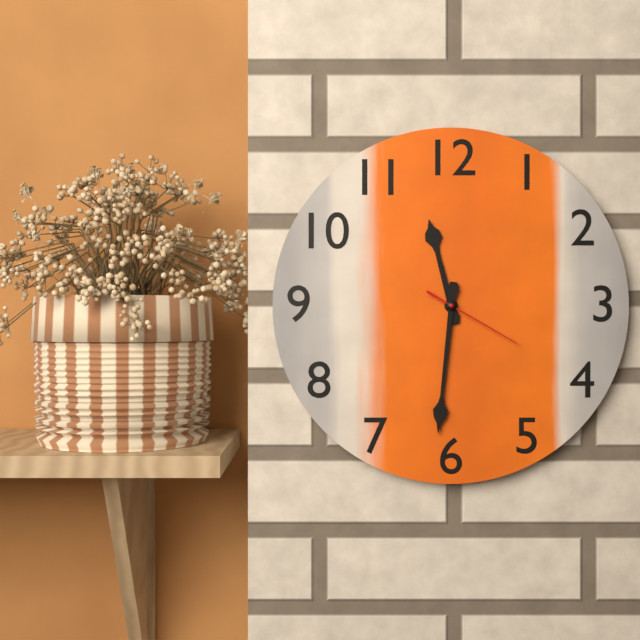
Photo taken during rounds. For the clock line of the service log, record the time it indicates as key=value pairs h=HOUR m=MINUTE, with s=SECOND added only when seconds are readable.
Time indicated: h=11 m=31 s=20
